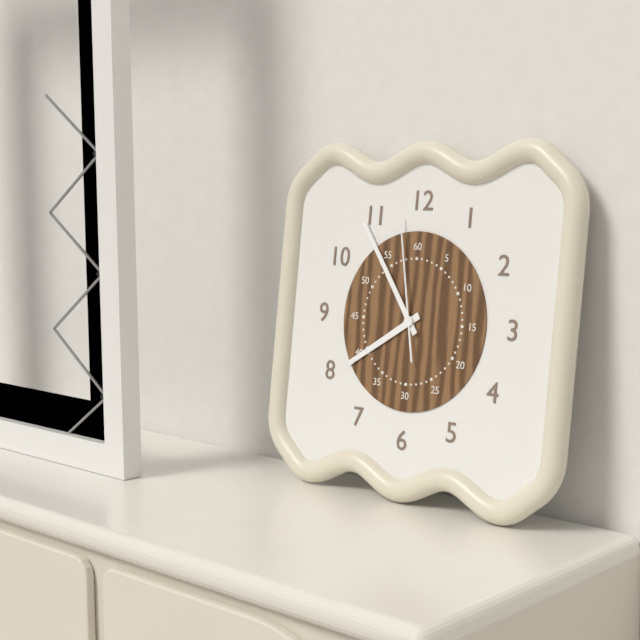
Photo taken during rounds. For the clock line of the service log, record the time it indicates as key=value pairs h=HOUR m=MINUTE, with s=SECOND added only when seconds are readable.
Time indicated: h=7 m=54 s=58
